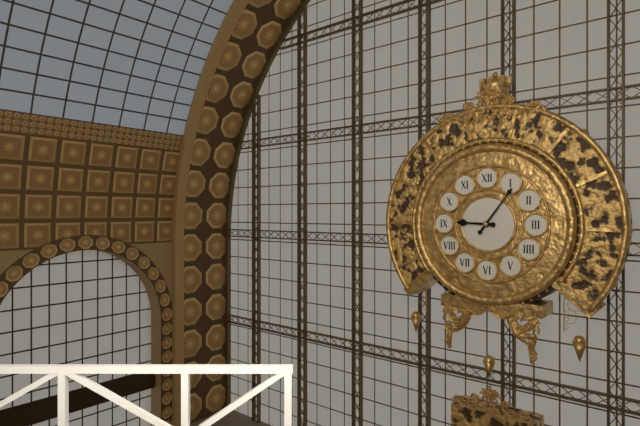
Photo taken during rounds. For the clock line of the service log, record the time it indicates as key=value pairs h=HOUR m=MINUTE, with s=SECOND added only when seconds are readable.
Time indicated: h=9 m=6
